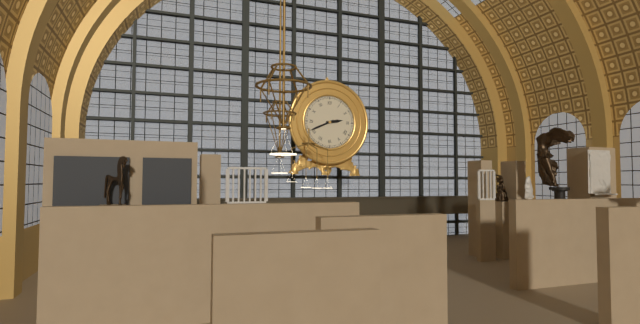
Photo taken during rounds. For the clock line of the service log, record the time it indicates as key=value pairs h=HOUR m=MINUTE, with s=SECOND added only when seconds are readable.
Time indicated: h=2 m=41
